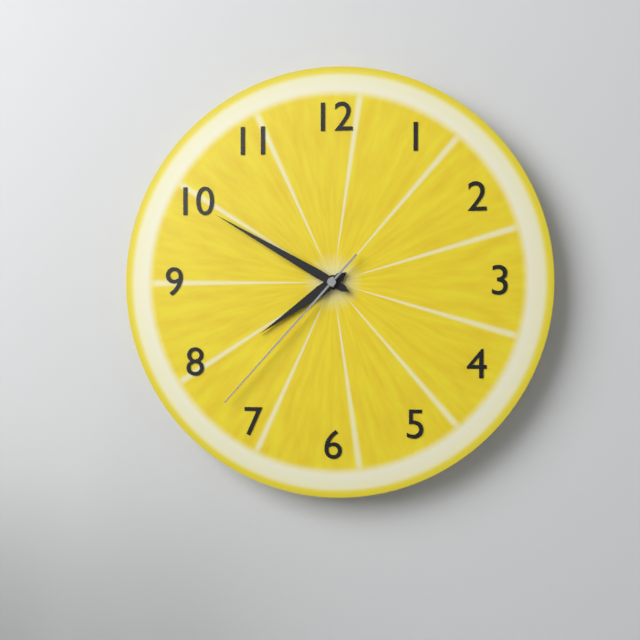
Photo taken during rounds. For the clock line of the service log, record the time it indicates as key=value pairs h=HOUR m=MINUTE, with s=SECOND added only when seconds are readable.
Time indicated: h=7 m=50 s=37
